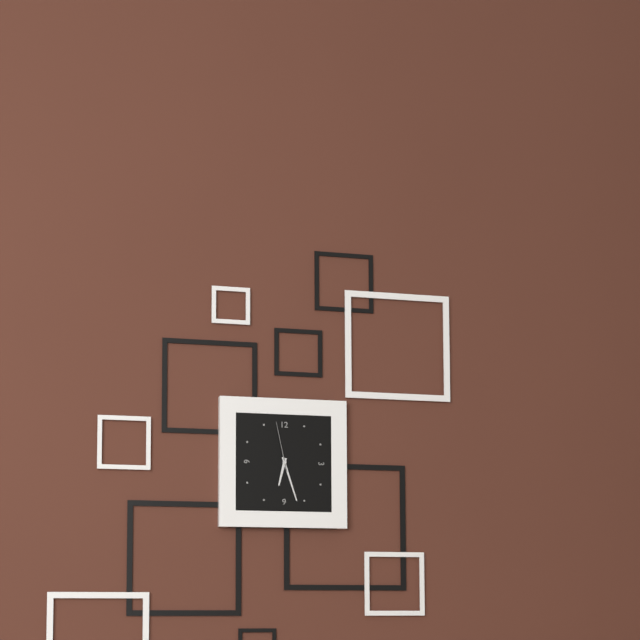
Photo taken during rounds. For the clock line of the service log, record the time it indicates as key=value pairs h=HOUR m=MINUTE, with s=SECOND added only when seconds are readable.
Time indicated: h=6 m=27 s=58
